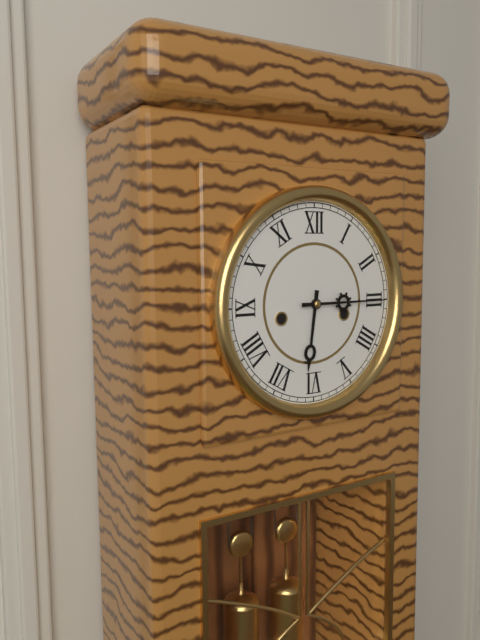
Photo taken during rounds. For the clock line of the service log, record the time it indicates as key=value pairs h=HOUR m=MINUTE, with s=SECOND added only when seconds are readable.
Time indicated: h=6 m=15
